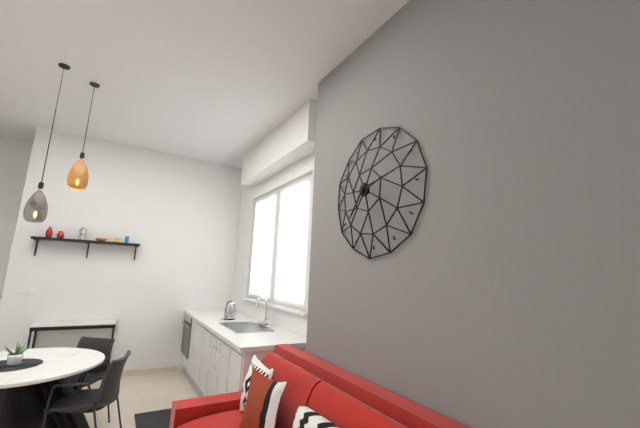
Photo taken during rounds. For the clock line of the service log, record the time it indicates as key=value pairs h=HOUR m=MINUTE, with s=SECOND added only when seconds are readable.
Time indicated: h=2 m=36
